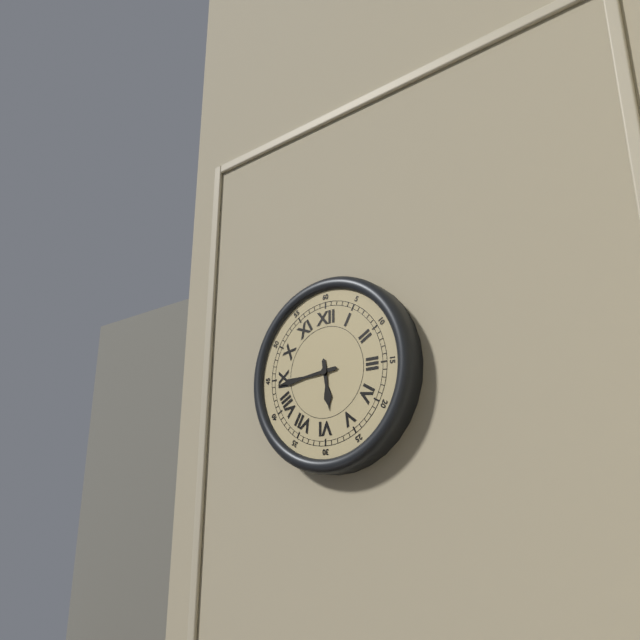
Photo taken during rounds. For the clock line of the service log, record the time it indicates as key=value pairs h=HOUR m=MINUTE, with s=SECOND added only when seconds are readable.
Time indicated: h=5 m=44
